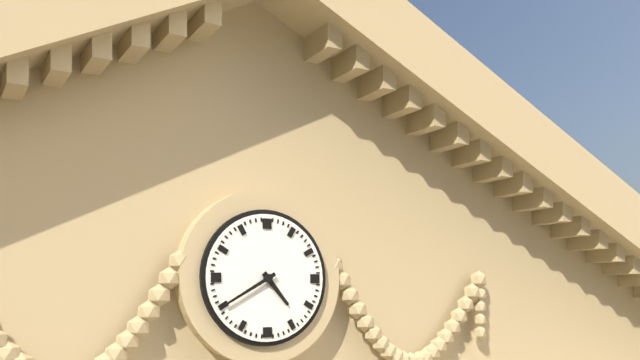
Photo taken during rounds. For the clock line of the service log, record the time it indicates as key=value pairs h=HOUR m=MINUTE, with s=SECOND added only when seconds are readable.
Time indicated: h=4 m=40
